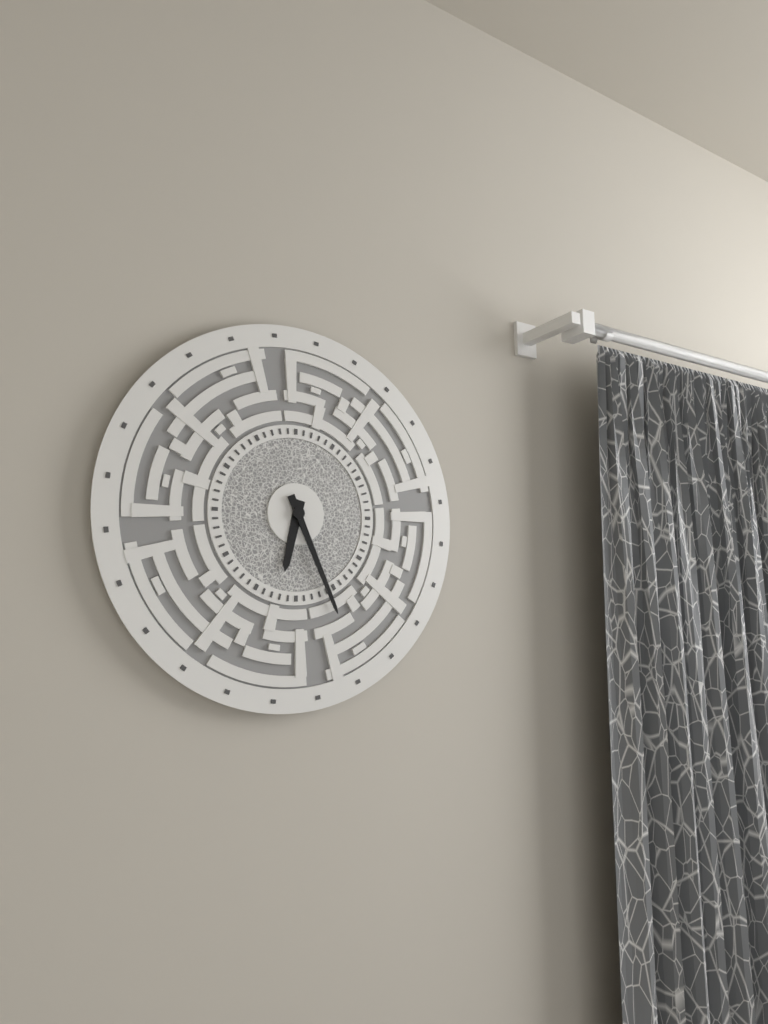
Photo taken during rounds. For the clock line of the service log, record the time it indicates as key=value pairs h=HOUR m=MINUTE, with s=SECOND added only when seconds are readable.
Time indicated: h=6 m=26
